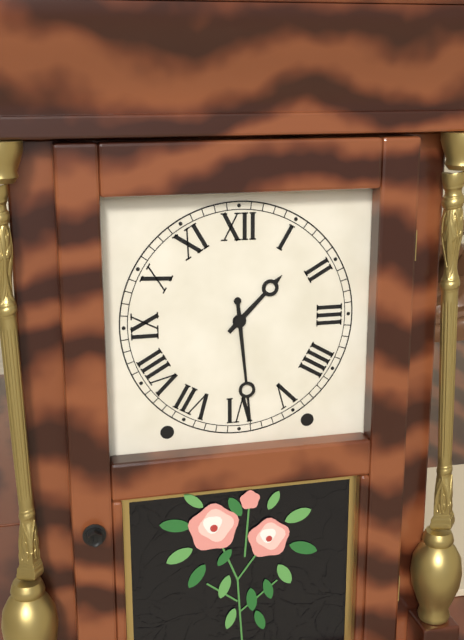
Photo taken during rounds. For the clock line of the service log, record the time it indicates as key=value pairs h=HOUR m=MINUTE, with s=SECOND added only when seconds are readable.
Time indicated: h=1 m=29
